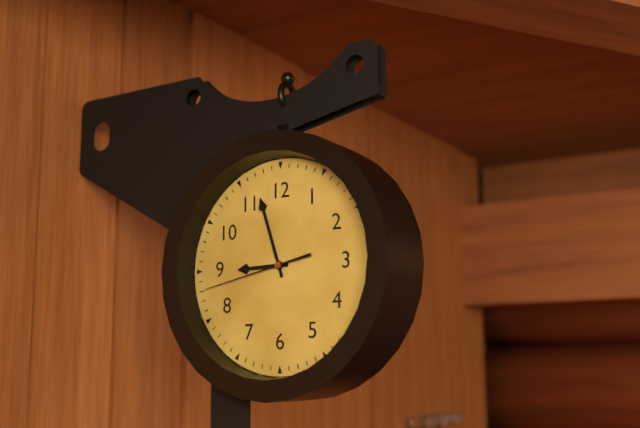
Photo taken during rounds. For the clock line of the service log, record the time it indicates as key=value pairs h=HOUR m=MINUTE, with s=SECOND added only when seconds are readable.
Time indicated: h=8 m=57 s=43
